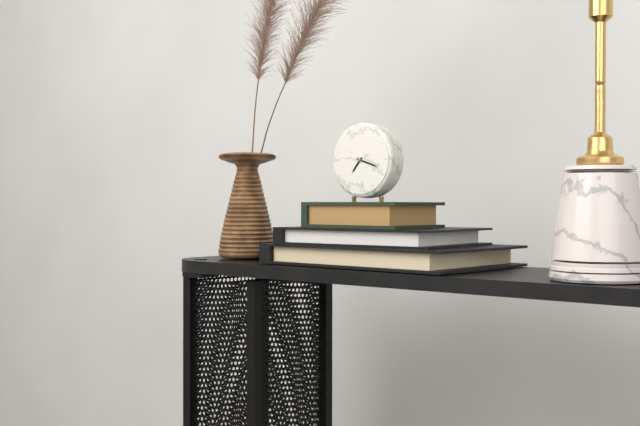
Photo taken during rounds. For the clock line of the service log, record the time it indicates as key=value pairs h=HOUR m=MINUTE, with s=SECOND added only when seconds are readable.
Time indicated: h=7 m=18
